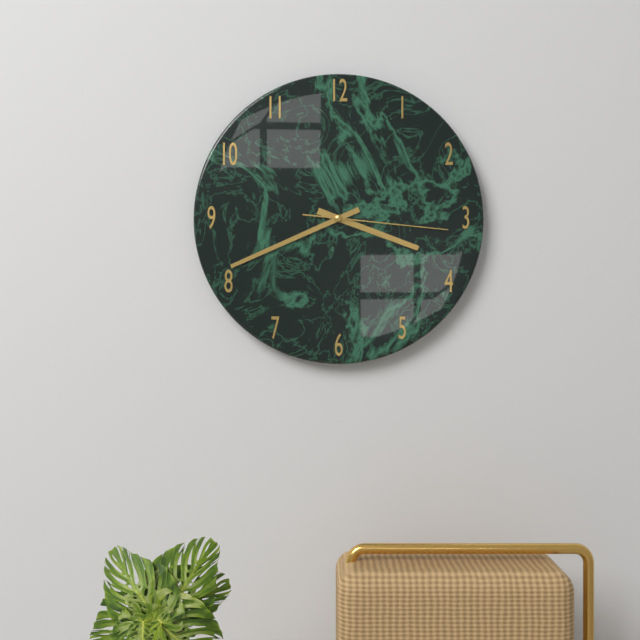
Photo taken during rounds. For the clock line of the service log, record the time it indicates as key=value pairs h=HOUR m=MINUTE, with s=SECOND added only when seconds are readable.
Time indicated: h=3 m=41 s=16
